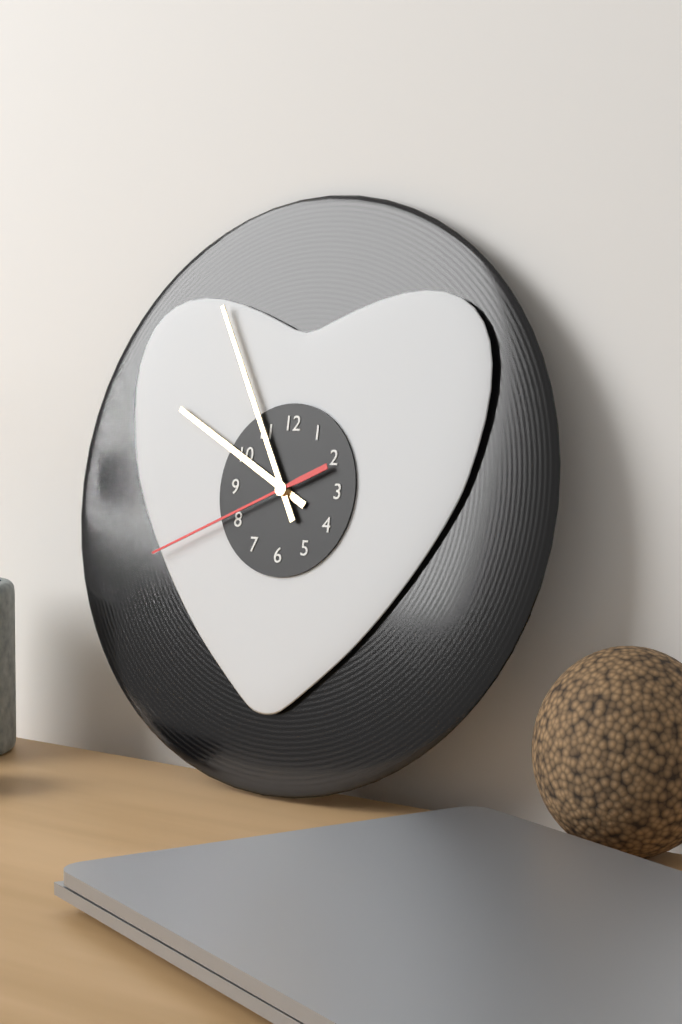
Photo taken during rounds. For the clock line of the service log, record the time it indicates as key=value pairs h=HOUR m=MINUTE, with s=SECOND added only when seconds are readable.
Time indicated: h=9 m=55 s=41
